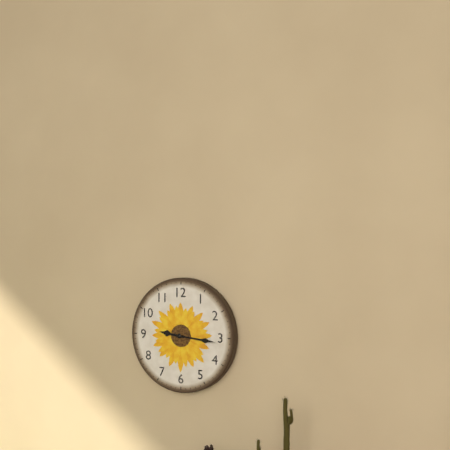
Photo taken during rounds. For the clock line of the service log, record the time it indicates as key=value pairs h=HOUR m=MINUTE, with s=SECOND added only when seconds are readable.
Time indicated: h=9 m=16
